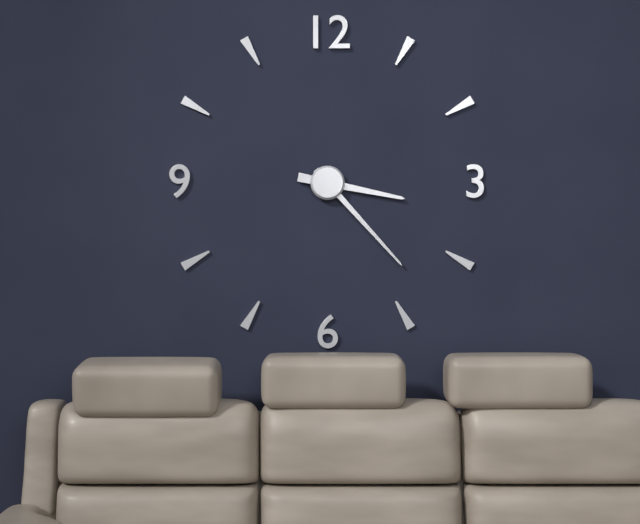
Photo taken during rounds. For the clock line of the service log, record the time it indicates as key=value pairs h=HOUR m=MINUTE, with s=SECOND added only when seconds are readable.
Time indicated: h=3 m=23
